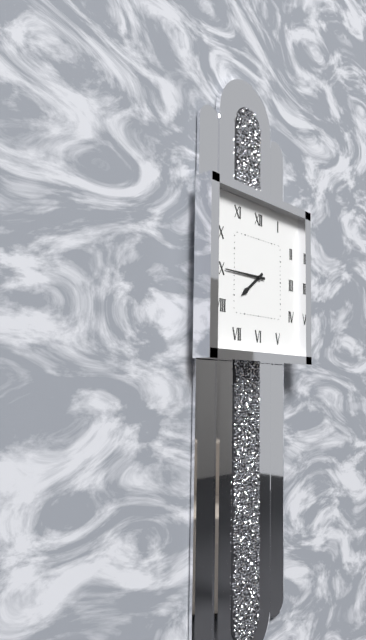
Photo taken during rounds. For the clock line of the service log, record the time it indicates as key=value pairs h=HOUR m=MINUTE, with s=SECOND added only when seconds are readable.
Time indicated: h=7 m=45
